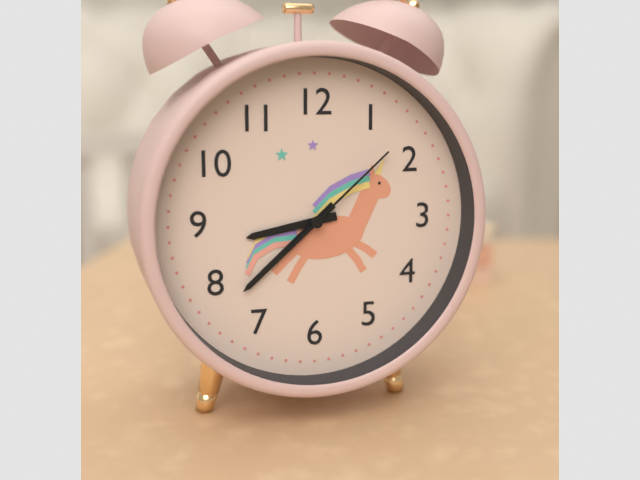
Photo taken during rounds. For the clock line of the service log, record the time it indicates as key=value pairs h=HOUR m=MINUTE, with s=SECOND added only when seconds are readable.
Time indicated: h=8 m=38 s=8
